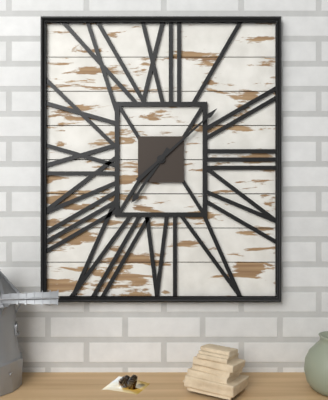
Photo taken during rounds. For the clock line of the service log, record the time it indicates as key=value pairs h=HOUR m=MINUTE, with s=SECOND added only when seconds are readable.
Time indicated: h=7 m=8
